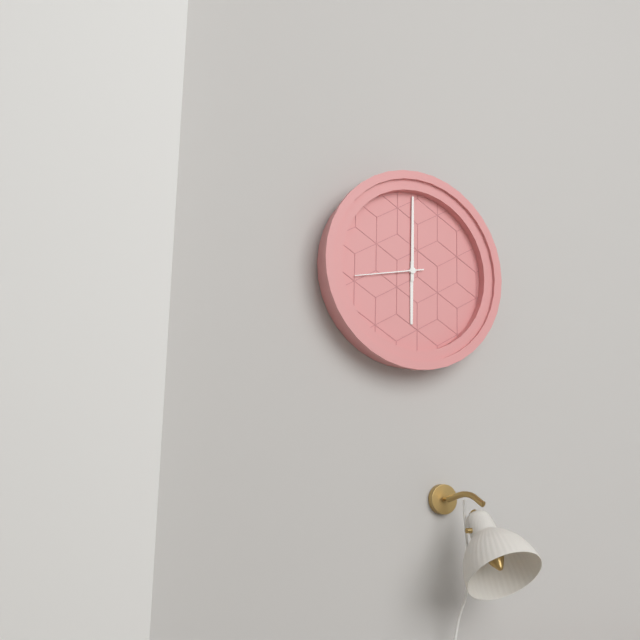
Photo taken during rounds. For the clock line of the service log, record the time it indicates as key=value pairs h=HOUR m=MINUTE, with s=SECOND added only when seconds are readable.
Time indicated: h=6 m=0 s=43
